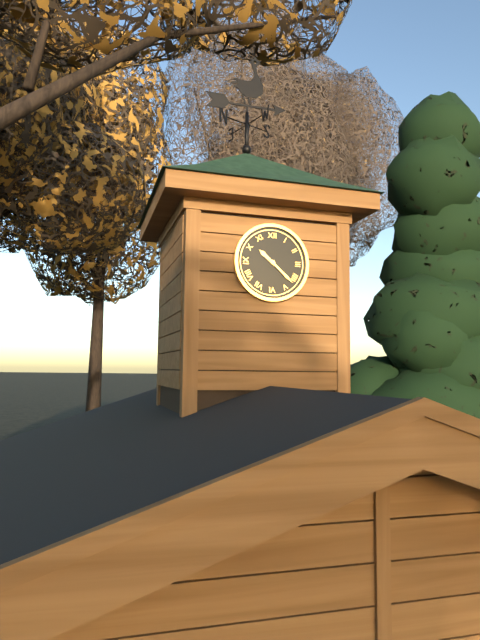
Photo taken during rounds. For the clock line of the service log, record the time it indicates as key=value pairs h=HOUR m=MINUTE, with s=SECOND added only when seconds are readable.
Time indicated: h=10 m=22
